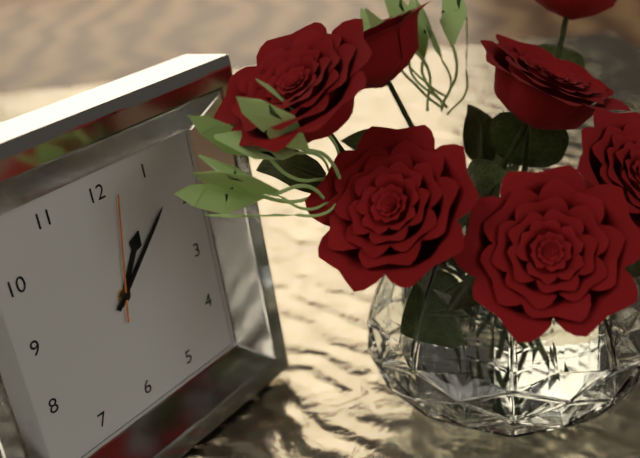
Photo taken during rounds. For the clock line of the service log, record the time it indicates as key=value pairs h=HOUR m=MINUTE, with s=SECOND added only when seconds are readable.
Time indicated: h=1 m=8 s=2
